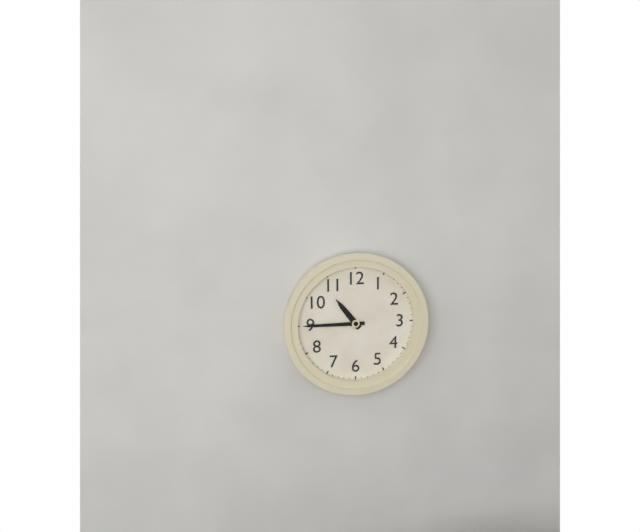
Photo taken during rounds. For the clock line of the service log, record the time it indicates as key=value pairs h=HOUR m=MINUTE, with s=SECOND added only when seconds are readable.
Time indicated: h=10 m=45
